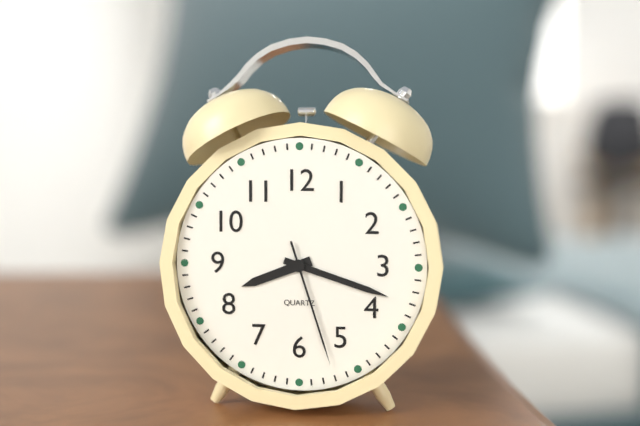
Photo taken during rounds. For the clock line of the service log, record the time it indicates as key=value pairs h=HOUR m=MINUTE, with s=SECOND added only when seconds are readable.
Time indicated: h=8 m=18 s=27
